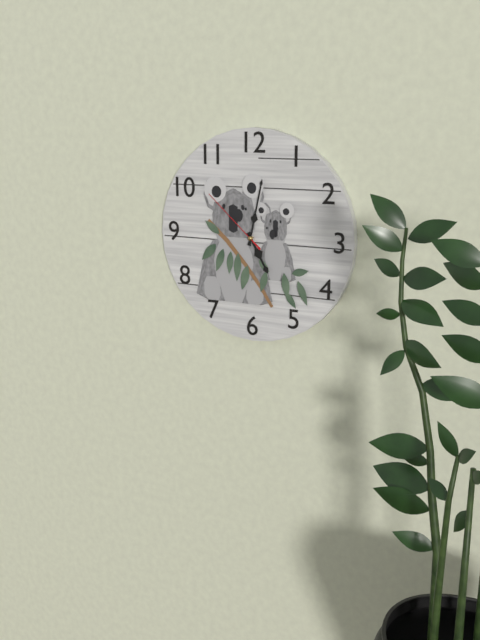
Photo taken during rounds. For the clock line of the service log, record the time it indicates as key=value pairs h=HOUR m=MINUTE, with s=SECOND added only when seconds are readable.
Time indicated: h=5 m=2 s=52
